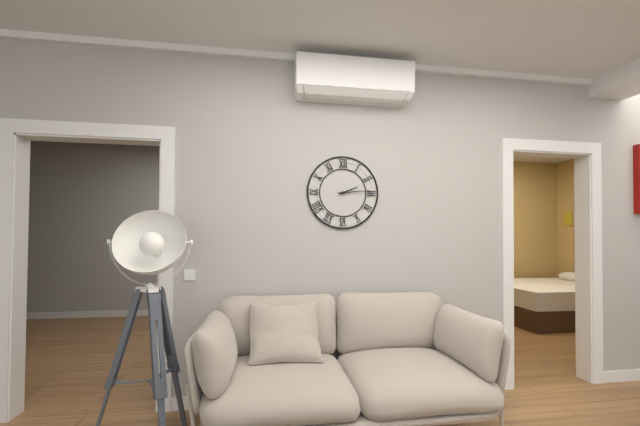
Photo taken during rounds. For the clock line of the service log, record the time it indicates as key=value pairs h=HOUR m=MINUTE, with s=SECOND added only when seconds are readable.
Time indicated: h=2 m=14
